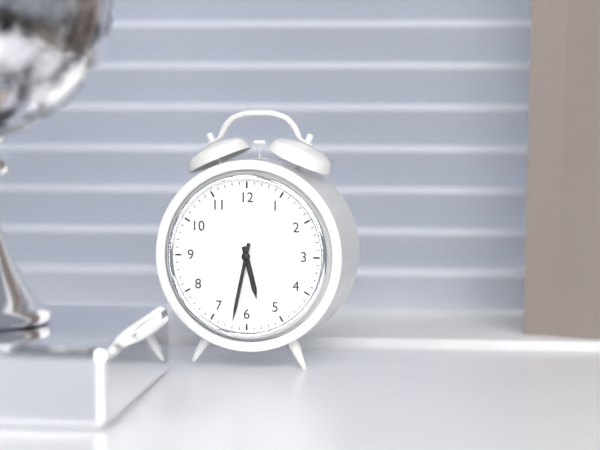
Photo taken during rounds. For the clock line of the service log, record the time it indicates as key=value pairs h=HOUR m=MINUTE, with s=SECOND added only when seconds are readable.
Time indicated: h=5 m=32
